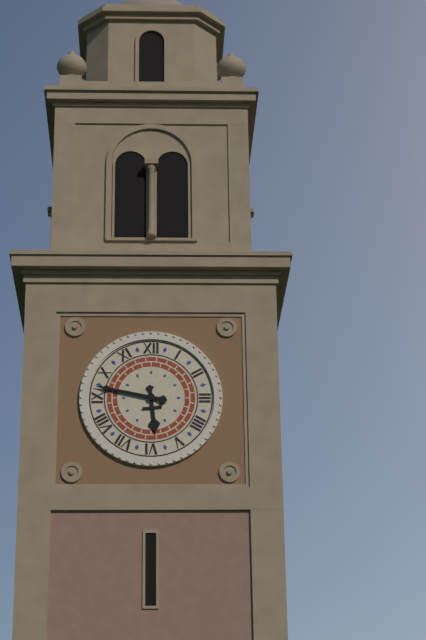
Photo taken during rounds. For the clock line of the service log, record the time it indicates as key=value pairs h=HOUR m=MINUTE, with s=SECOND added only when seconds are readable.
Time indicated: h=5 m=47
